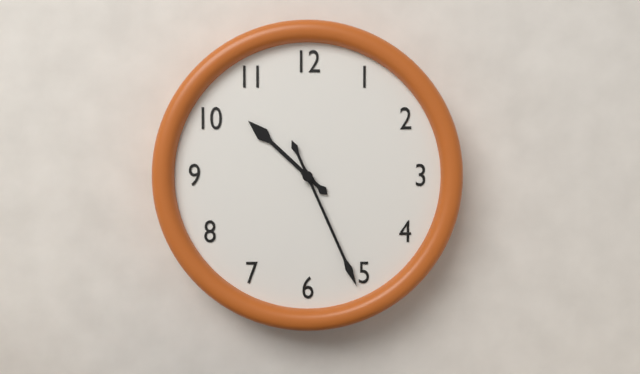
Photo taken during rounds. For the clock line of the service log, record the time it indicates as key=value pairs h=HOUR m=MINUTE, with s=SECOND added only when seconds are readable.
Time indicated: h=10 m=26
